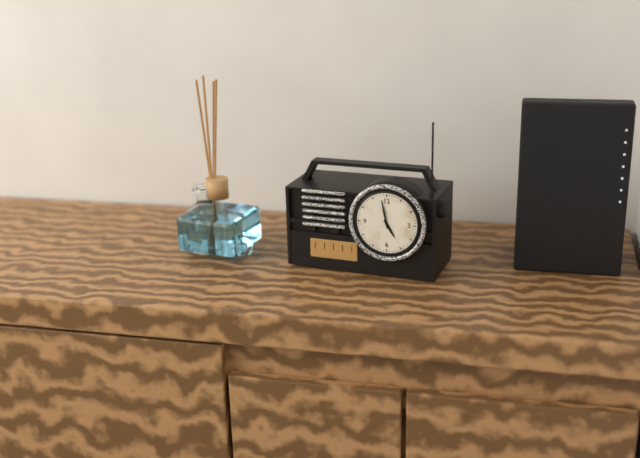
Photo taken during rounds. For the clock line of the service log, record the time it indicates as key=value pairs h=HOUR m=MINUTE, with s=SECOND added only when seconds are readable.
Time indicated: h=4 m=58
